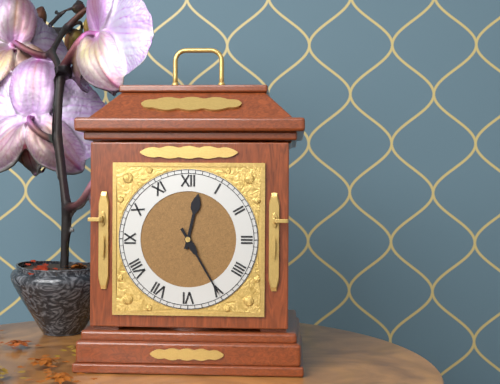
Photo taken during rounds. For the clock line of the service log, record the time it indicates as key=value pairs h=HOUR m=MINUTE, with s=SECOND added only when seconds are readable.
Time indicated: h=12 m=25
